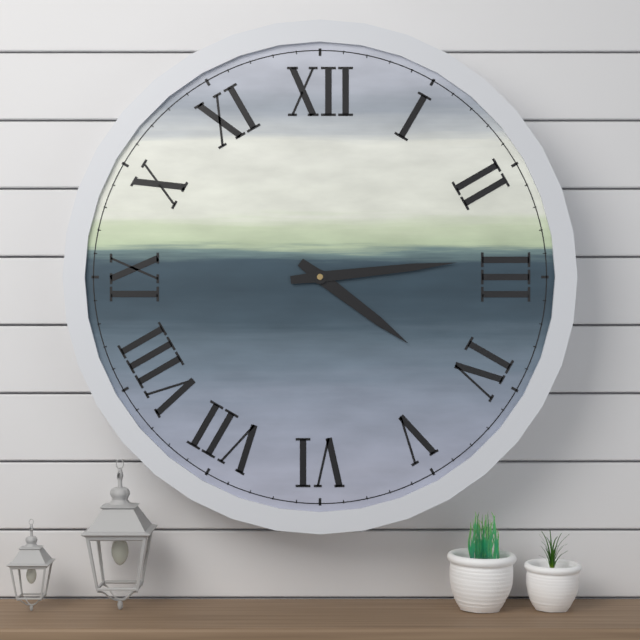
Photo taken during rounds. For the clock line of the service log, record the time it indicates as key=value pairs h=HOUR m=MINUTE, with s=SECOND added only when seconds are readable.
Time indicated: h=4 m=14
